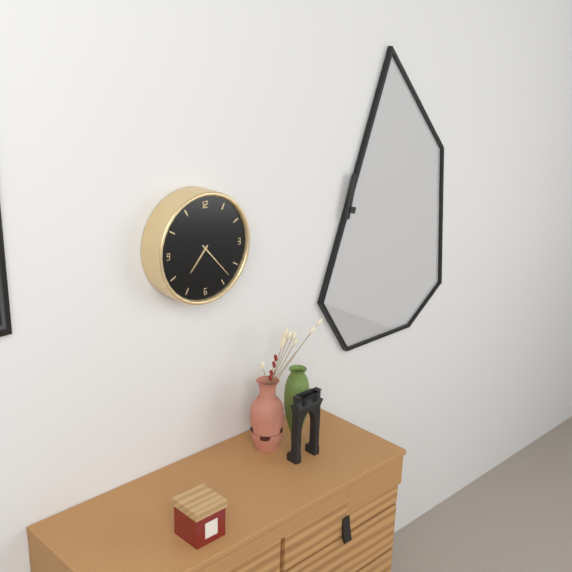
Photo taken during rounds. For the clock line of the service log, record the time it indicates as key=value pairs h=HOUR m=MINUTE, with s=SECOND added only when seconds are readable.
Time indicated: h=7 m=23
